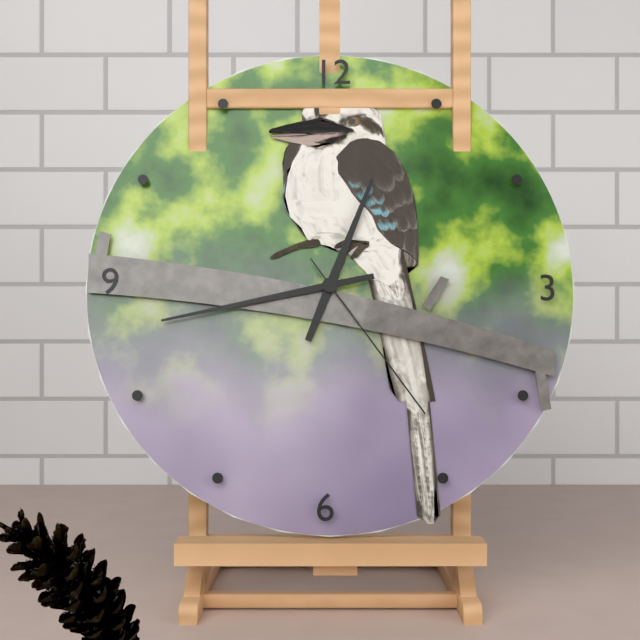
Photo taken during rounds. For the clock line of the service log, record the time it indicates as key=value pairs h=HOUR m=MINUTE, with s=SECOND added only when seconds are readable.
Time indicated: h=12 m=43 s=24
